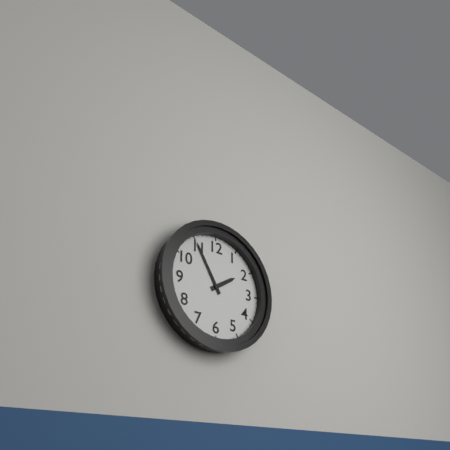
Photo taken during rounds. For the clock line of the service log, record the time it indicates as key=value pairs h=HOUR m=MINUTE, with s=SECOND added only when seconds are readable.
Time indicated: h=1 m=55
